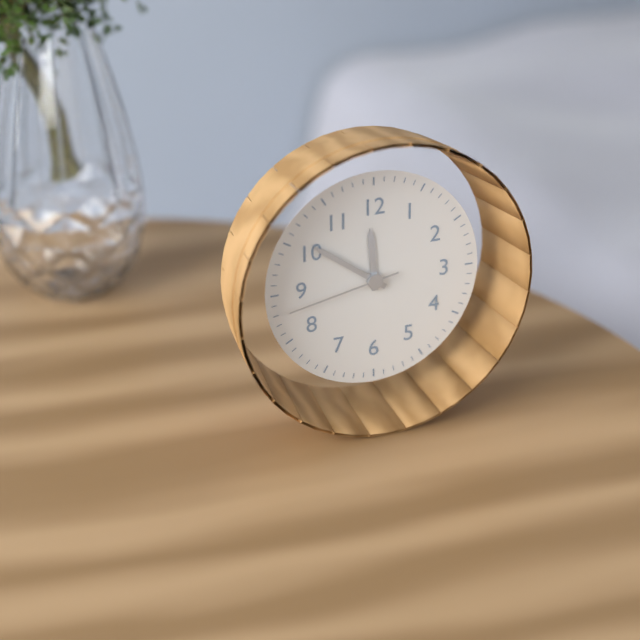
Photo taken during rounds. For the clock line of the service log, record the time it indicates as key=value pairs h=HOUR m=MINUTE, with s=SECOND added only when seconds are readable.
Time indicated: h=11 m=51 s=43
